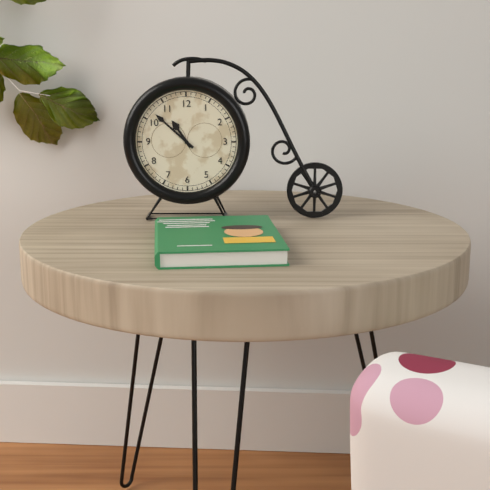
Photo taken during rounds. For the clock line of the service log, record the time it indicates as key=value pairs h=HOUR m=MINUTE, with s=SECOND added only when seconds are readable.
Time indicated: h=10 m=52
